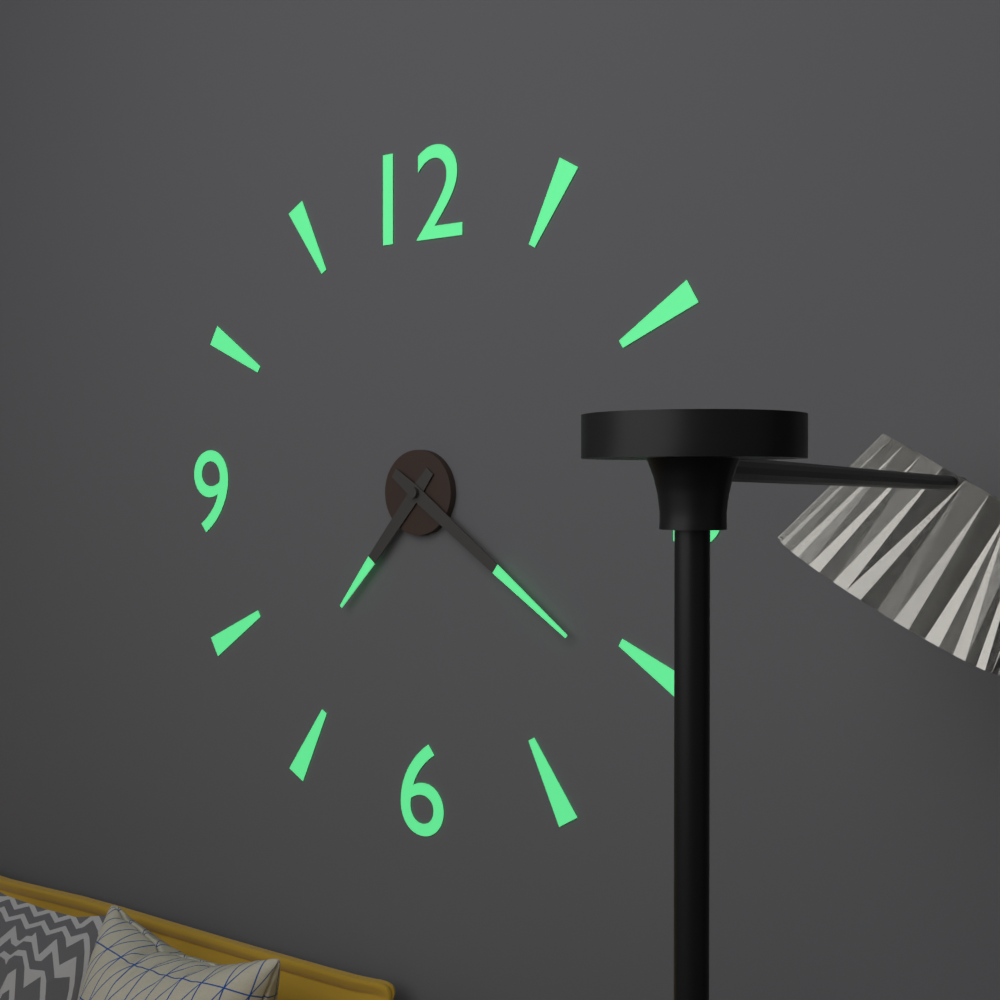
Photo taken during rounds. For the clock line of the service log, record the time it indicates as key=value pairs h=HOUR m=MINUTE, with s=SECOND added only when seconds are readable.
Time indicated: h=7 m=21
